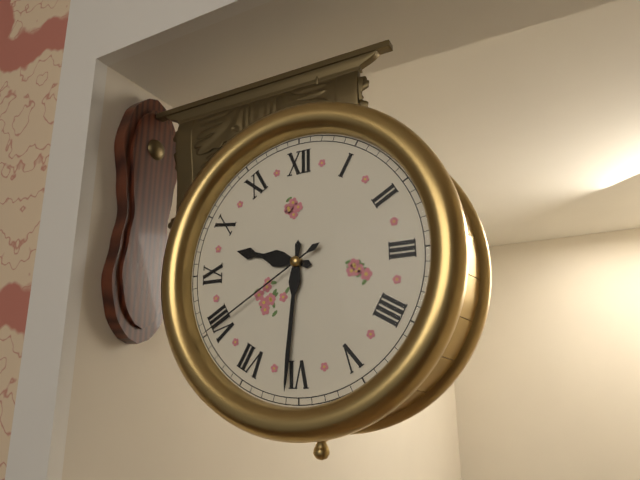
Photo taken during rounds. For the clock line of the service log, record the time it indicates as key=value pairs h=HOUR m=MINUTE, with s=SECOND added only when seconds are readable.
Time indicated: h=9 m=31 s=40
